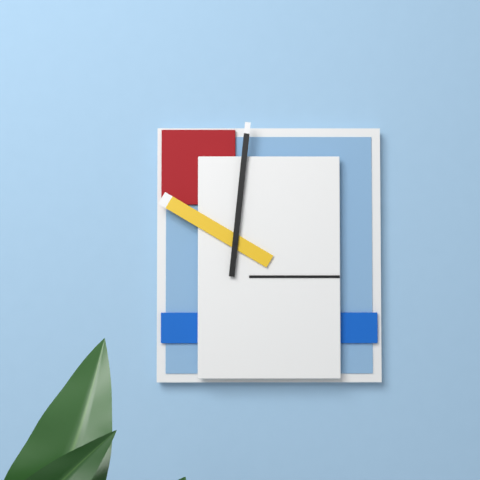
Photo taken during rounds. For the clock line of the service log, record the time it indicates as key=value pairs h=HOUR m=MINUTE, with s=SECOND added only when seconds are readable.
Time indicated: h=10 m=1
